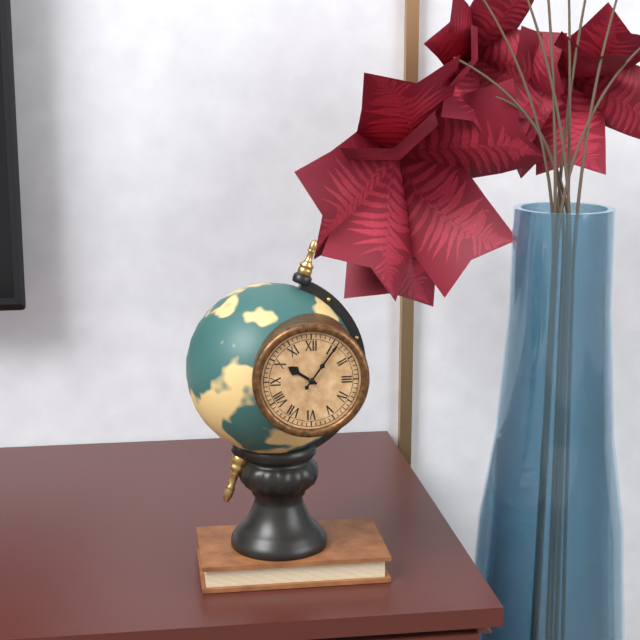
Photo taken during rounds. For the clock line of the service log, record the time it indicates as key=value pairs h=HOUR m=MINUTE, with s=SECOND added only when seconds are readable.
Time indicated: h=10 m=6
